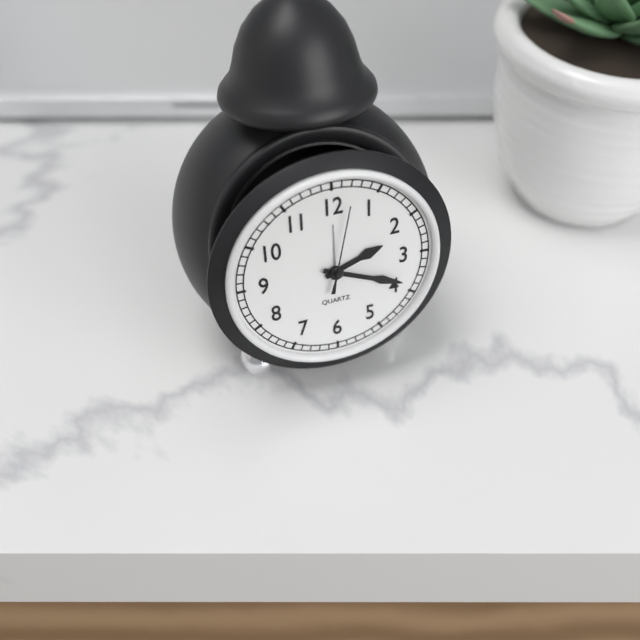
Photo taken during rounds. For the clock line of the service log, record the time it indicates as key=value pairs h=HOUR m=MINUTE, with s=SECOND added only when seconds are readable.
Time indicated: h=2 m=19 s=2
